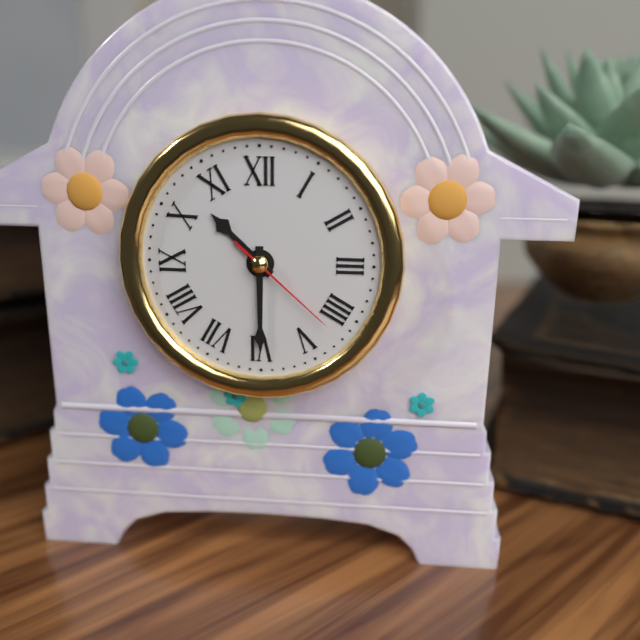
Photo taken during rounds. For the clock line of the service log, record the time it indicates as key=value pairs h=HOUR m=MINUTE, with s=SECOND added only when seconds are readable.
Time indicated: h=10 m=30 s=22
